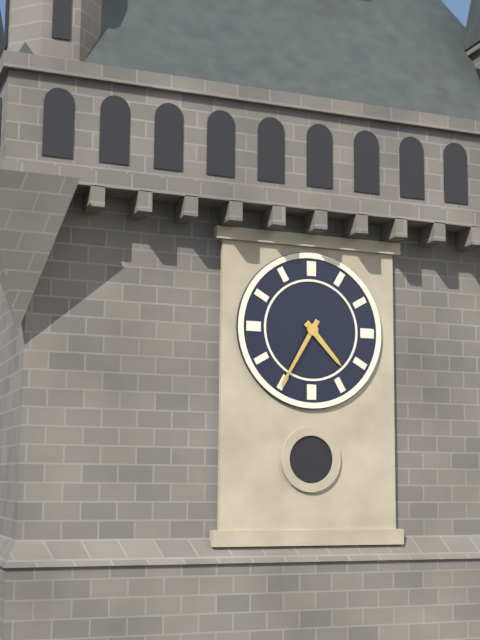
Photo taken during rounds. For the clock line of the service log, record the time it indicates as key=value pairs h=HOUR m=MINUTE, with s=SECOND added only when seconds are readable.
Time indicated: h=4 m=35
